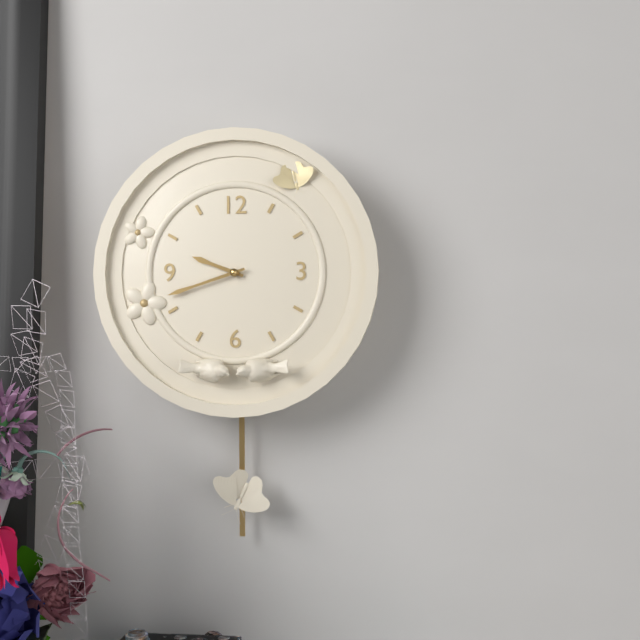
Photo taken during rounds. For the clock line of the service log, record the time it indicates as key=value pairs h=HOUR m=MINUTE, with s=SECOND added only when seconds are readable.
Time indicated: h=9 m=42
